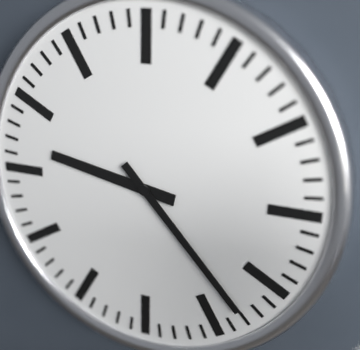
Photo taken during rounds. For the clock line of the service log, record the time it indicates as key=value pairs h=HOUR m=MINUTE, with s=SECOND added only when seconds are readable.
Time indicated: h=9 m=23
